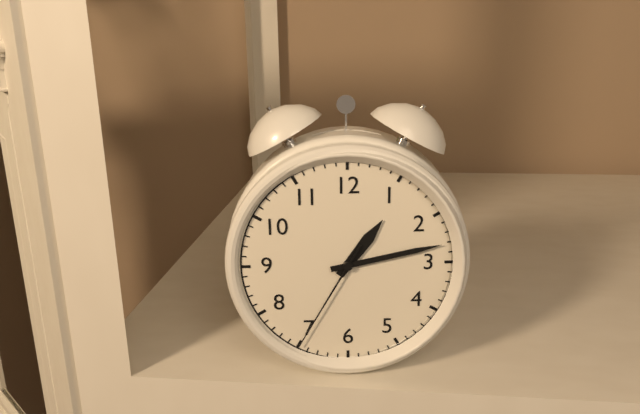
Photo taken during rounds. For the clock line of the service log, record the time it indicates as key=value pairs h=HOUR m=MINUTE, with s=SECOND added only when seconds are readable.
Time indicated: h=1 m=13 s=35
